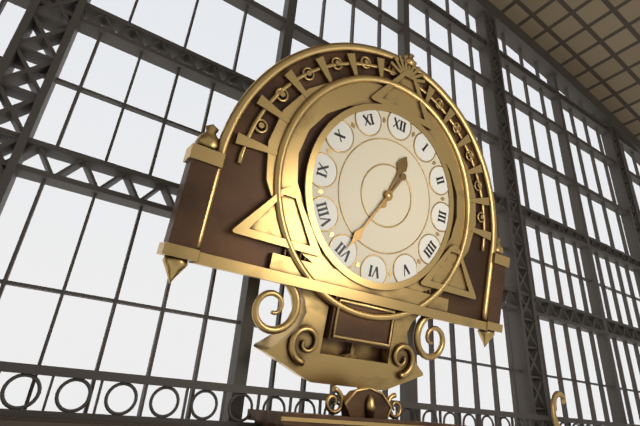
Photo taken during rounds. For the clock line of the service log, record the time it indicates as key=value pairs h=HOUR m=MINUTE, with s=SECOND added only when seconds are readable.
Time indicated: h=12 m=35
